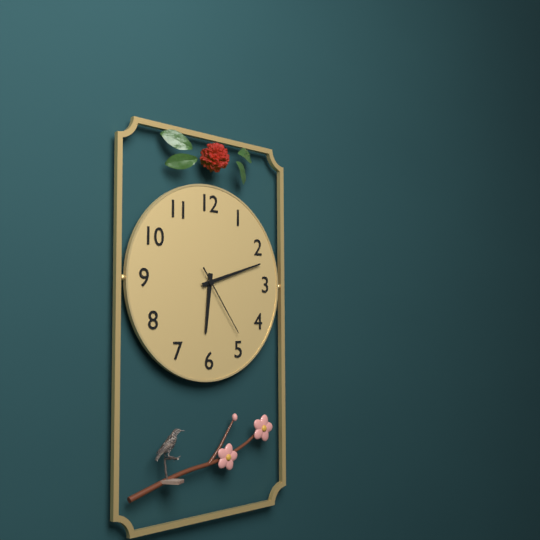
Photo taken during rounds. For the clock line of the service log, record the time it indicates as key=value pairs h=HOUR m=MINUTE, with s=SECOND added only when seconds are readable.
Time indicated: h=6 m=12 s=24
